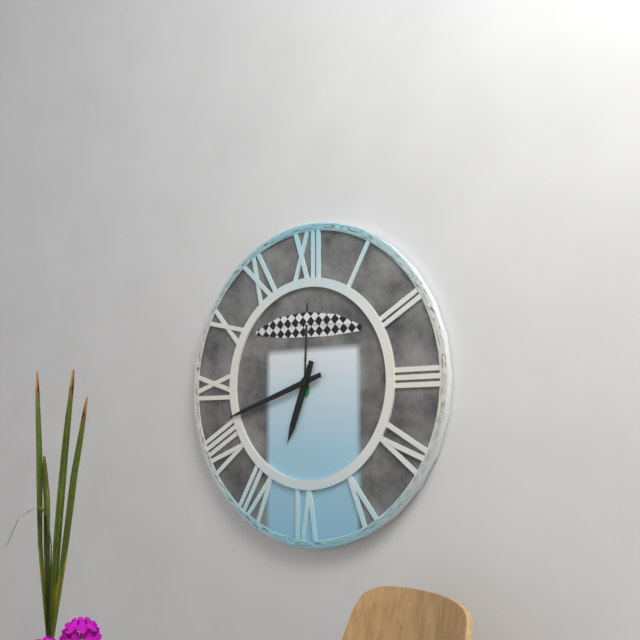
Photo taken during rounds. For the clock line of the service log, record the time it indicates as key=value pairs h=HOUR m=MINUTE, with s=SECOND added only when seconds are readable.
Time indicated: h=6 m=42
